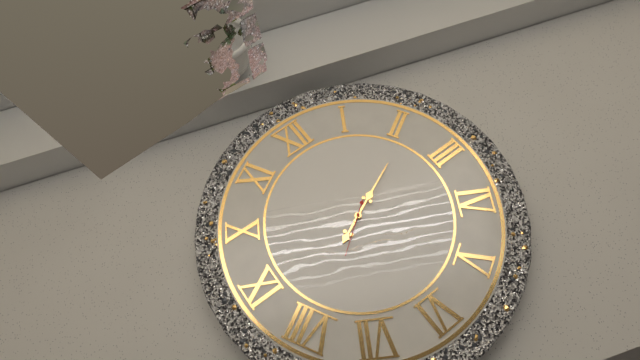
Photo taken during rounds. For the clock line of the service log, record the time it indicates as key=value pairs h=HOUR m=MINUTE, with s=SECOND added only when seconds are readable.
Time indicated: h=8 m=11 s=39
